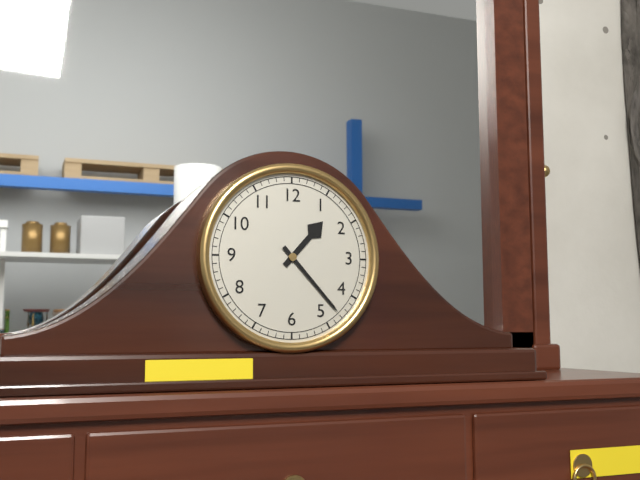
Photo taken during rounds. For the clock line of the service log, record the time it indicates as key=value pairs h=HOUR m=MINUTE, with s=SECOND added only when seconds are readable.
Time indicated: h=1 m=23
